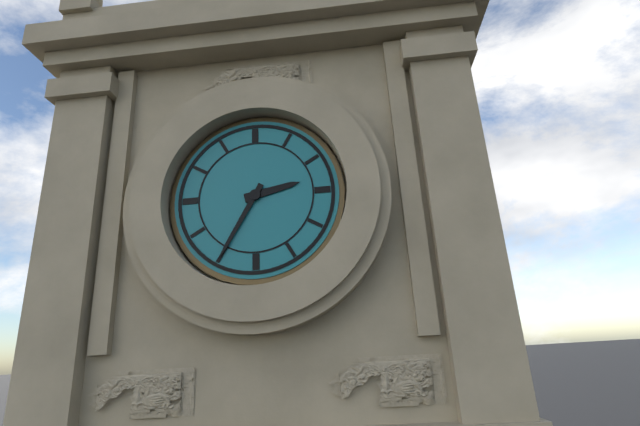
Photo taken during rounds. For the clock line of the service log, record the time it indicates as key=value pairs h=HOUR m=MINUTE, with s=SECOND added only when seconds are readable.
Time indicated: h=2 m=35
